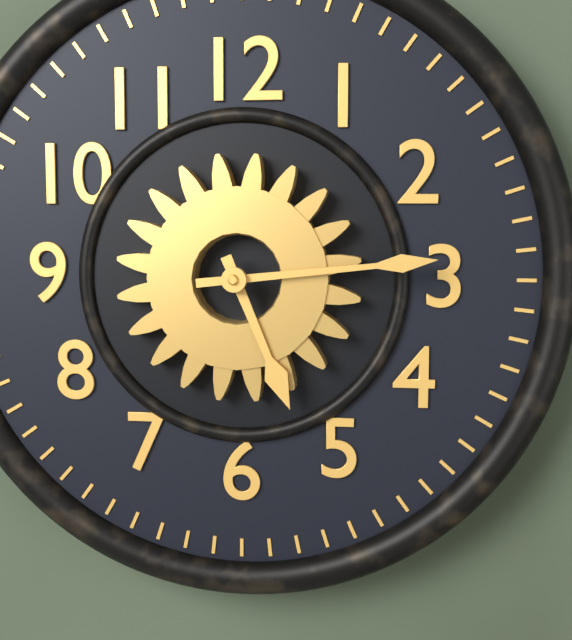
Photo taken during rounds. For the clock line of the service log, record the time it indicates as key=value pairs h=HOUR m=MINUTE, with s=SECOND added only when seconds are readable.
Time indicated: h=5 m=14
